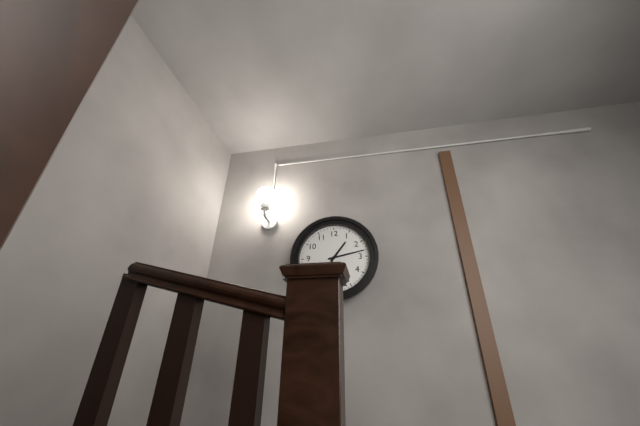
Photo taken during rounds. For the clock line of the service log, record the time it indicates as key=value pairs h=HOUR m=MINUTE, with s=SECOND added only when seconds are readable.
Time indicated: h=1 m=13
